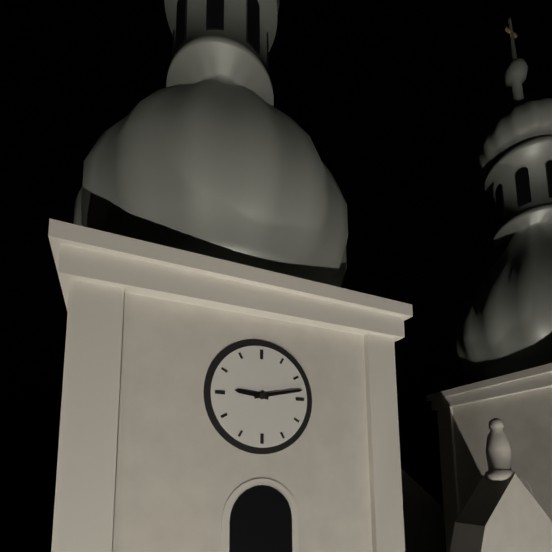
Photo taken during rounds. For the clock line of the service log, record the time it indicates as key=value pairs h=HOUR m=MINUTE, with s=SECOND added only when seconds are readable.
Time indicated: h=9 m=13
